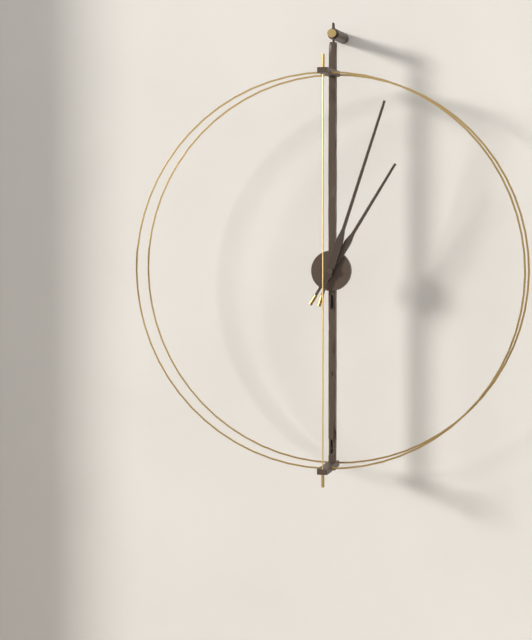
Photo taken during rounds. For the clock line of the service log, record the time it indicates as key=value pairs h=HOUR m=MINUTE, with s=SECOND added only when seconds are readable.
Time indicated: h=1 m=3
